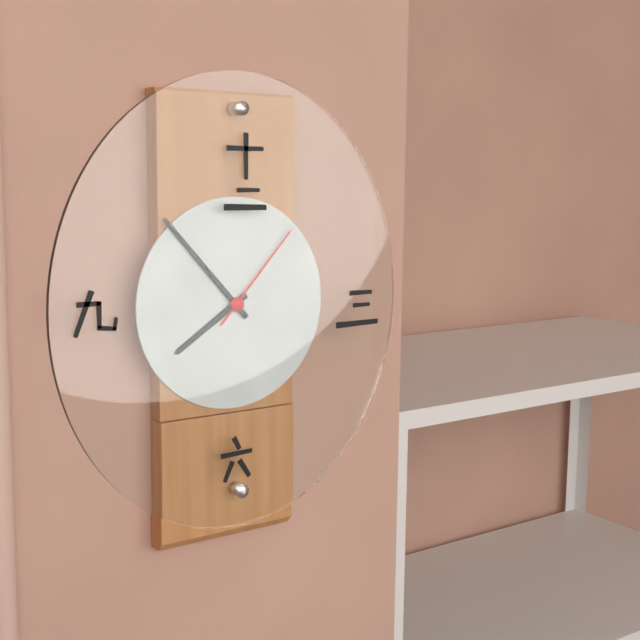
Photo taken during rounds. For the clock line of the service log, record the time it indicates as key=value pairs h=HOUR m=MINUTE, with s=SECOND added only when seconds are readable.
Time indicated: h=7 m=53 s=7
